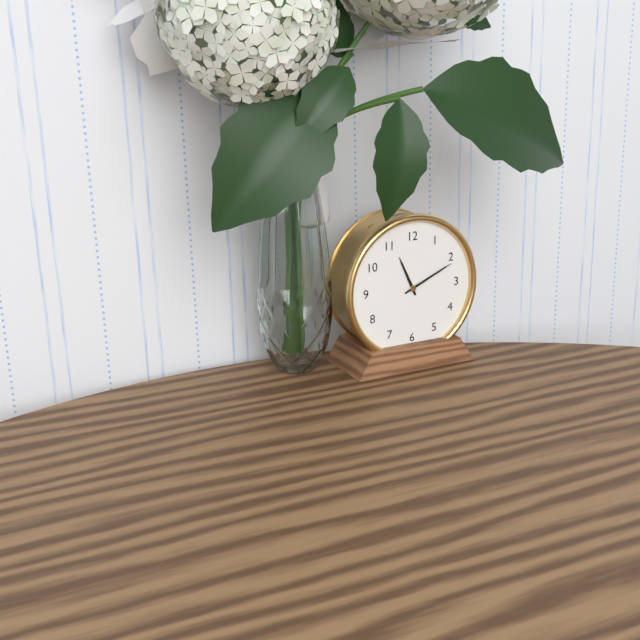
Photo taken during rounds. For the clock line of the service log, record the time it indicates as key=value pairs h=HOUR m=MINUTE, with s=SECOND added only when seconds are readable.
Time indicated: h=11 m=11
